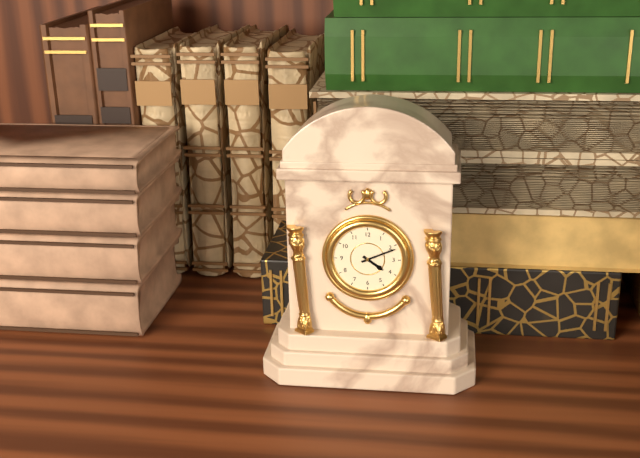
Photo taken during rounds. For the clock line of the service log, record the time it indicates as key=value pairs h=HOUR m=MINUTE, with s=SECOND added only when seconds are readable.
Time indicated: h=4 m=11
